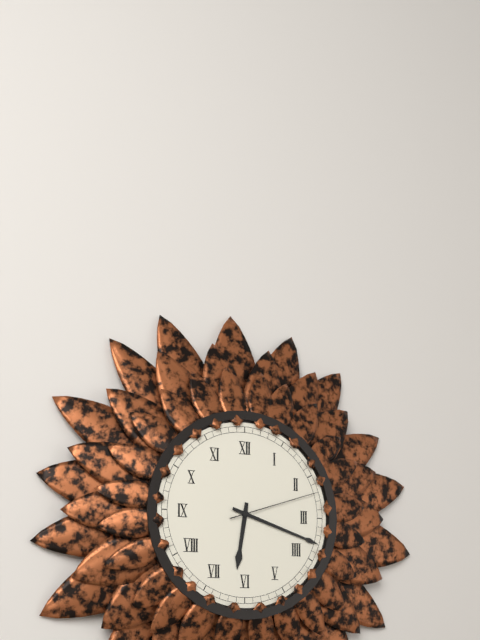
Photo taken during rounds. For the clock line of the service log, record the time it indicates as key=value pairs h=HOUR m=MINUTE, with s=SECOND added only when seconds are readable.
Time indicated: h=6 m=18 s=12
